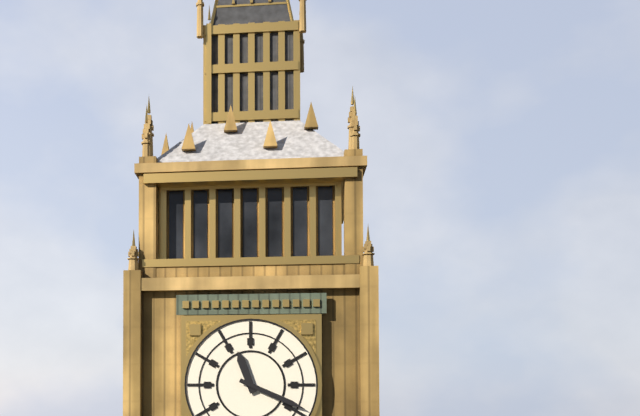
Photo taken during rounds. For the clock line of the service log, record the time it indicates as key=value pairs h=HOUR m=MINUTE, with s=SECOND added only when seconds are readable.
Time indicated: h=11 m=19
